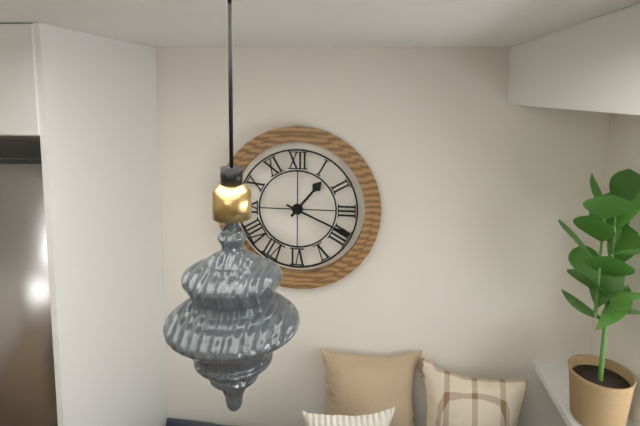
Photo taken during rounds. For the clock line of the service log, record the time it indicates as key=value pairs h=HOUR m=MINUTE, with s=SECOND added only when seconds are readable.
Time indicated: h=1 m=19
